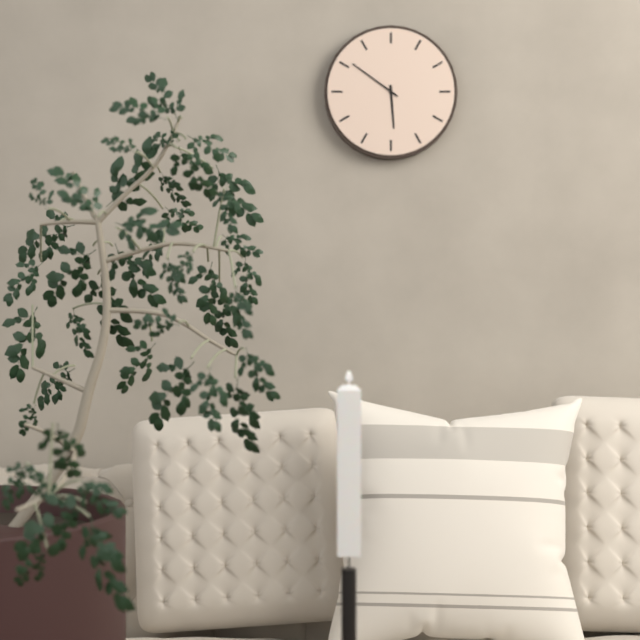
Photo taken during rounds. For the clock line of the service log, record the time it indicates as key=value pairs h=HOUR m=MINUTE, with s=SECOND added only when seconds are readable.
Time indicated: h=5 m=51
